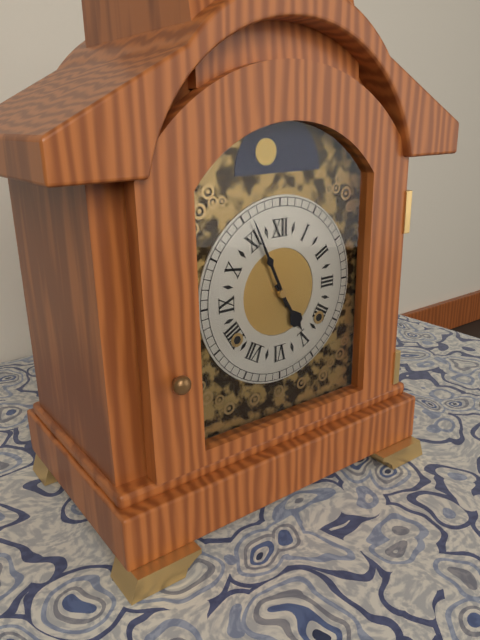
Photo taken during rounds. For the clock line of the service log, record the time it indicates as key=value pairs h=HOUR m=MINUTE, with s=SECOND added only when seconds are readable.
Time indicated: h=4 m=56
